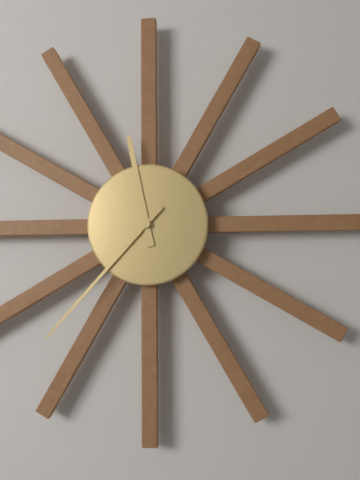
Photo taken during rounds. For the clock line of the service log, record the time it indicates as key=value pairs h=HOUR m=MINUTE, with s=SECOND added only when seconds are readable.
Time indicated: h=11 m=37
